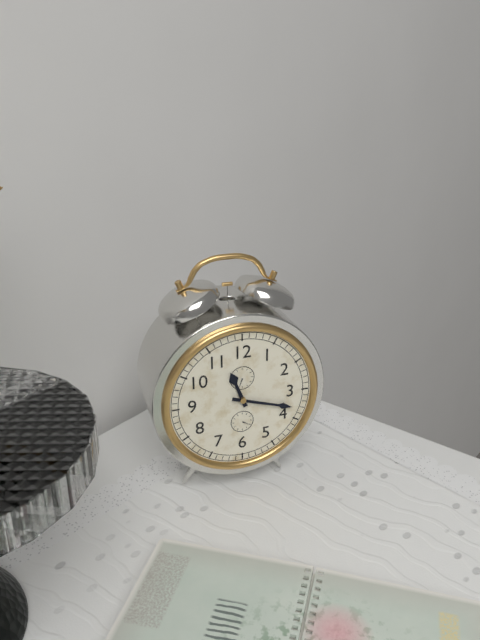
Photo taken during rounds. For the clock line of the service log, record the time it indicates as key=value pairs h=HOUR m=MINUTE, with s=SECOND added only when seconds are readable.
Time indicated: h=11 m=18
